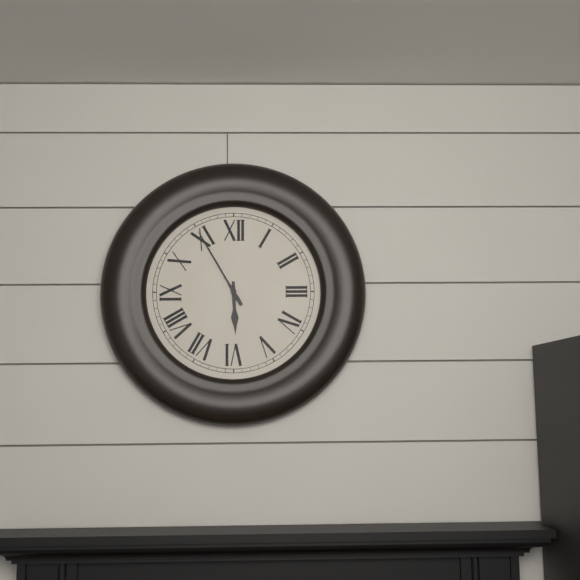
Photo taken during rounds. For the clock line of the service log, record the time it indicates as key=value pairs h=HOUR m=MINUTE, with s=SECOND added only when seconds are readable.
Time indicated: h=5 m=55
